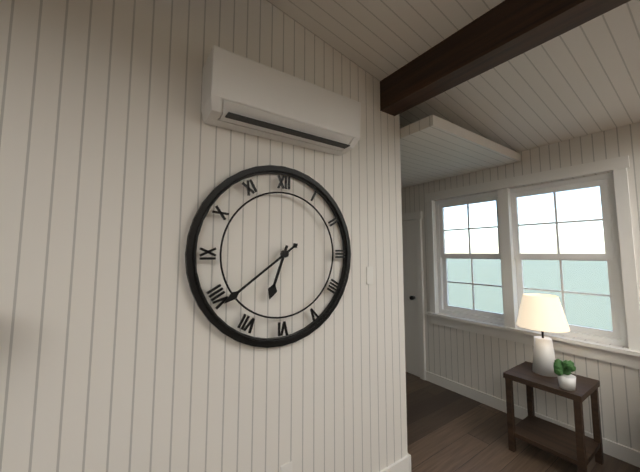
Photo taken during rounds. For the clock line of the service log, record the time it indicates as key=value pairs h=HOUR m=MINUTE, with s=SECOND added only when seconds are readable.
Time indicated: h=6 m=39
